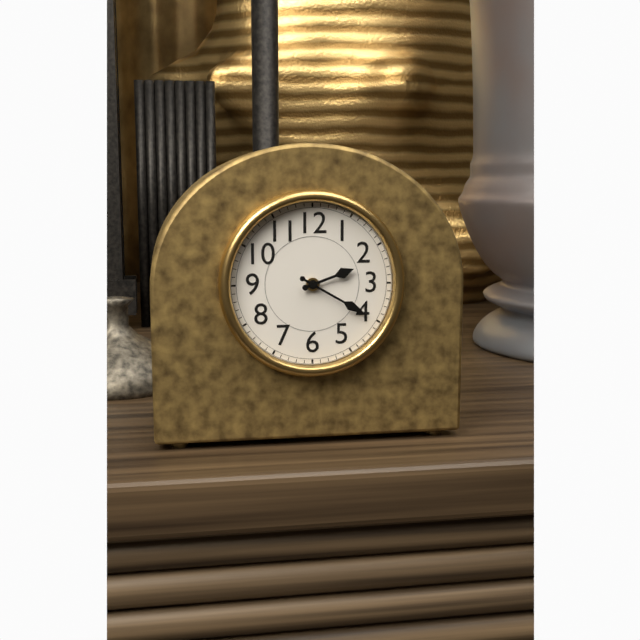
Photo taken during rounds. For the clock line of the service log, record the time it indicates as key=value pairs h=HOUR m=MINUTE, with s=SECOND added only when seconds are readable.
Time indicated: h=2 m=20
